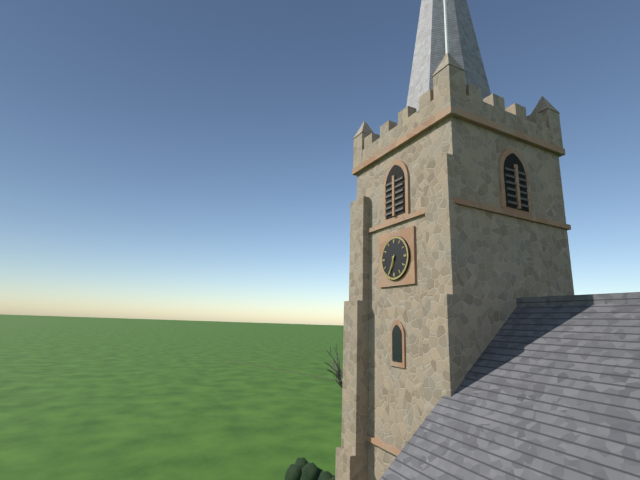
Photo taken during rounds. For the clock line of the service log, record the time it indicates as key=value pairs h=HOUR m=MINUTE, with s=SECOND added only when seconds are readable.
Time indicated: h=6 m=34
